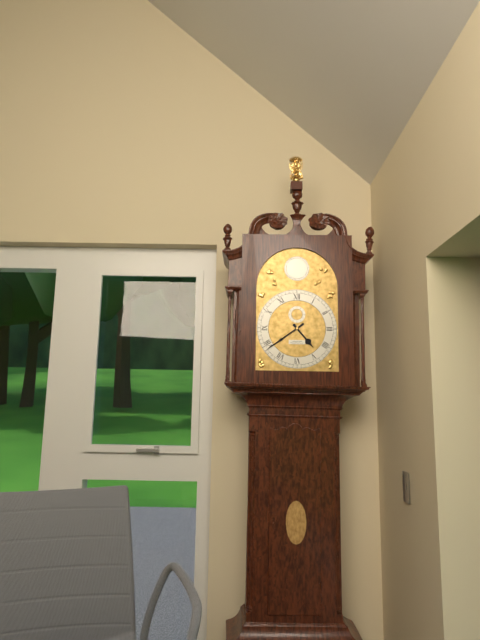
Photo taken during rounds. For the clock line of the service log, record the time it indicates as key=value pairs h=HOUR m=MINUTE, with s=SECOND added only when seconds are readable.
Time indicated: h=4 m=39
